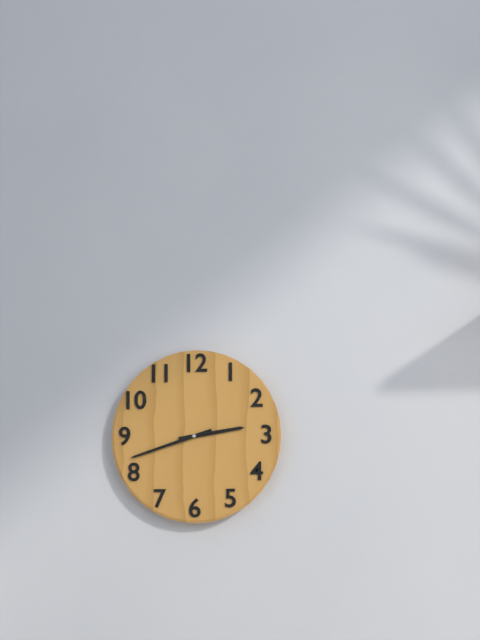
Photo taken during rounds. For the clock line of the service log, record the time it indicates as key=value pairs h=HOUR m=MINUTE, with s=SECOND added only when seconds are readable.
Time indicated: h=2 m=42
